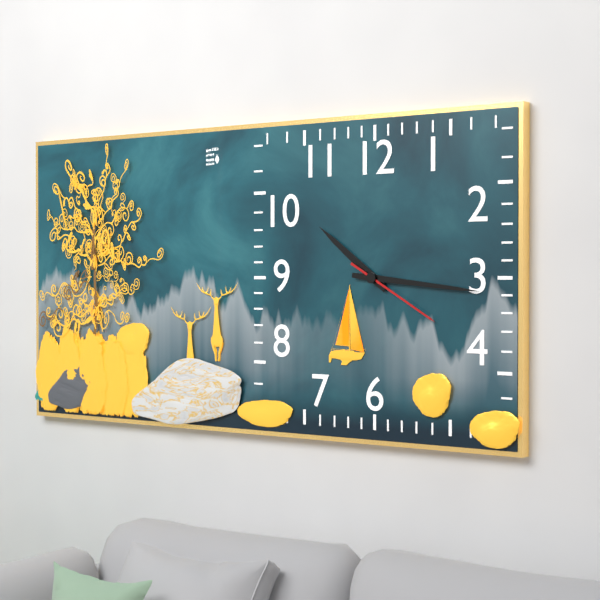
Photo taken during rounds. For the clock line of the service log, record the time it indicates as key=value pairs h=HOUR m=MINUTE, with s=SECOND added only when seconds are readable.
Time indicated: h=10 m=16 s=20
